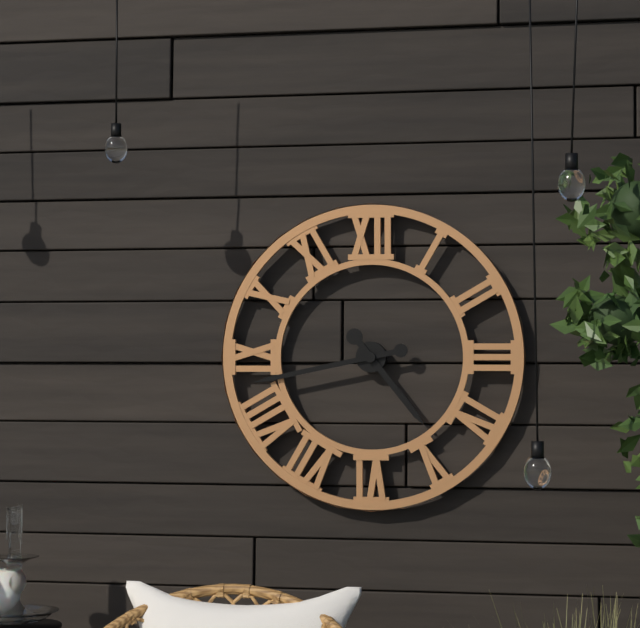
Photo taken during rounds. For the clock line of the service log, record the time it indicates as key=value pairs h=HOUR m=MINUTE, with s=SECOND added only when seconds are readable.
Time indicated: h=4 m=43
